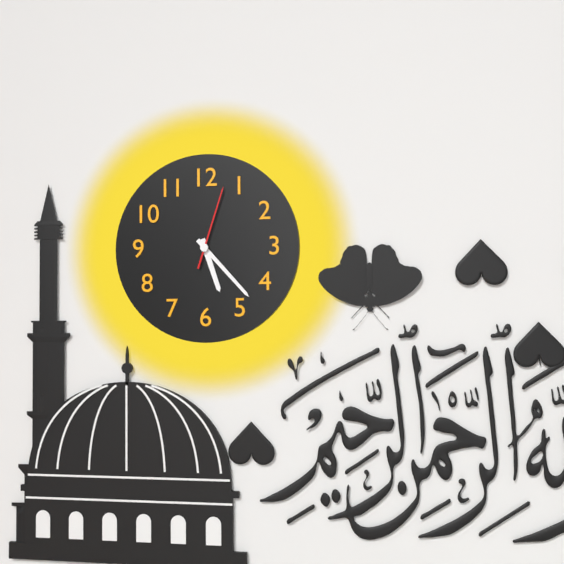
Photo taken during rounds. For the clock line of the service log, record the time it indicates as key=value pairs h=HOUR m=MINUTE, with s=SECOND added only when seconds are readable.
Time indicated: h=5 m=23 s=3
